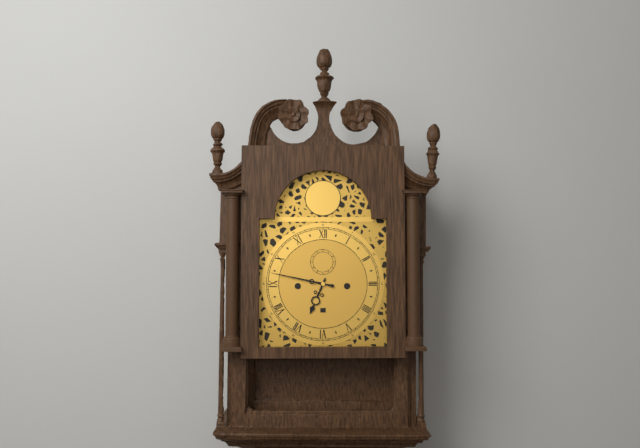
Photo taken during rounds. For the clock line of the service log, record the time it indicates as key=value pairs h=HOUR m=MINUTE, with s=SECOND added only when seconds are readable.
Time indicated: h=6 m=47
